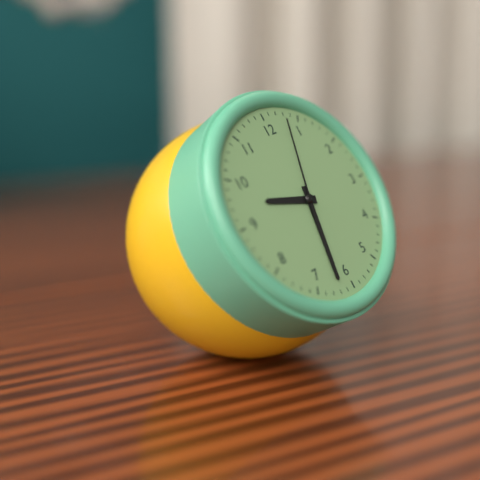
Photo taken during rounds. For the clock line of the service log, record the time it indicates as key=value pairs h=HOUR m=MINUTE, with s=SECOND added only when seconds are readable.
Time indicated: h=9 m=32 s=3
